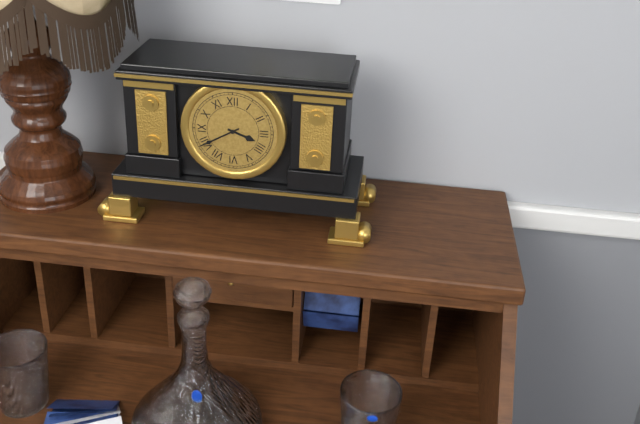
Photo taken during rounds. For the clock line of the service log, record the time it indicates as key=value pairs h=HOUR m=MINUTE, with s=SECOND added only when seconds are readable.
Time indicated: h=3 m=40
